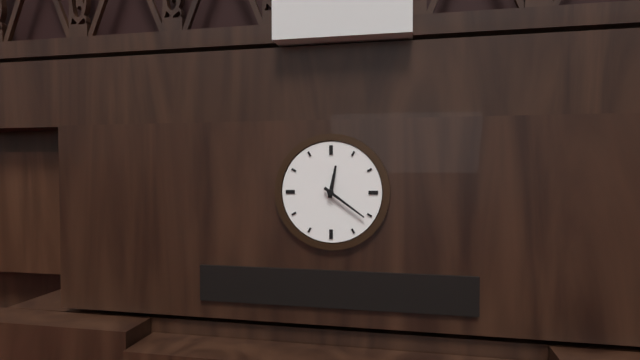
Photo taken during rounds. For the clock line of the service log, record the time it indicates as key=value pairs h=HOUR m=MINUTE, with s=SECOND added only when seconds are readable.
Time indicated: h=12 m=21
